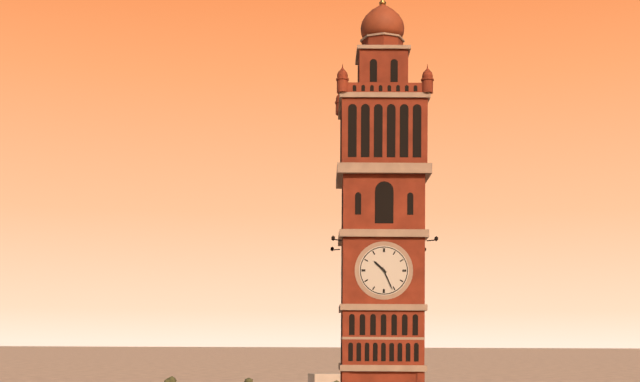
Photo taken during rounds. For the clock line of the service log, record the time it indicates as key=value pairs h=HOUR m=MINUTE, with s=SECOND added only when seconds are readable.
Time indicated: h=10 m=26
